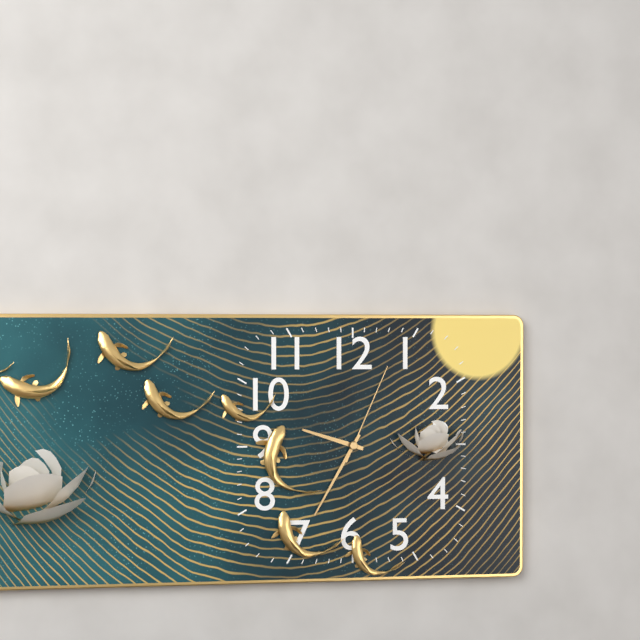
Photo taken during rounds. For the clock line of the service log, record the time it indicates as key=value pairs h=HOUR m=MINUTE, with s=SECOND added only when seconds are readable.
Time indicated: h=9 m=35 s=4
